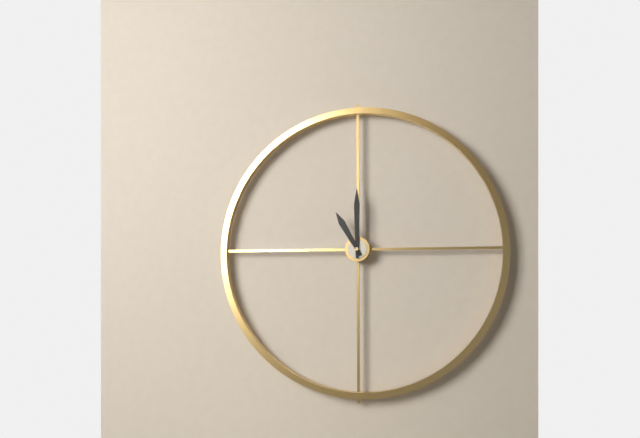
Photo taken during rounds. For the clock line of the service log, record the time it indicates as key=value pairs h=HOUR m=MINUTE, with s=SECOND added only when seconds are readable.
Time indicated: h=11 m=0
